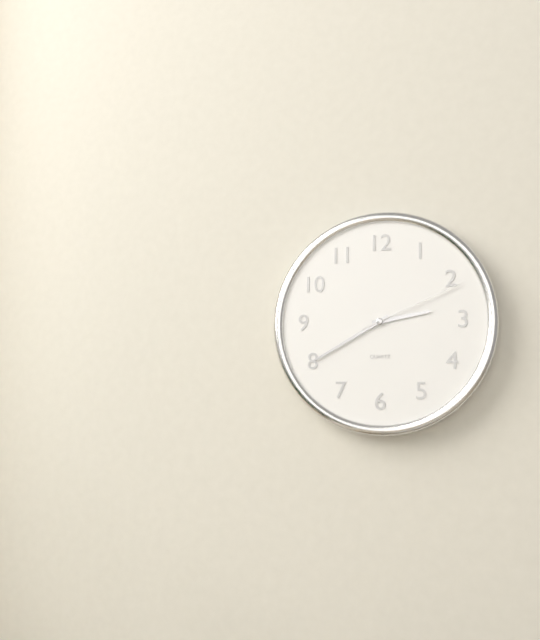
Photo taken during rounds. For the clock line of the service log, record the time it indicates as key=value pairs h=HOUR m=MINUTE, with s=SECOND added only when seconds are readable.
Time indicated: h=2 m=40 s=11
